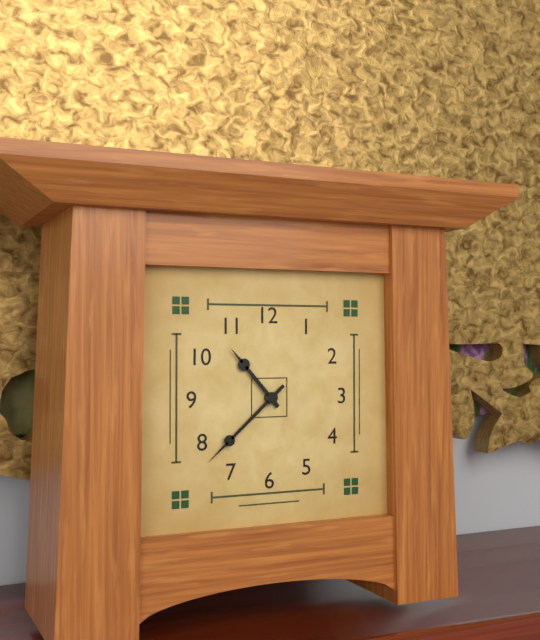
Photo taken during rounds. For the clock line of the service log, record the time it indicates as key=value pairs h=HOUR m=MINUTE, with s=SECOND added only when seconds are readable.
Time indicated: h=10 m=38
